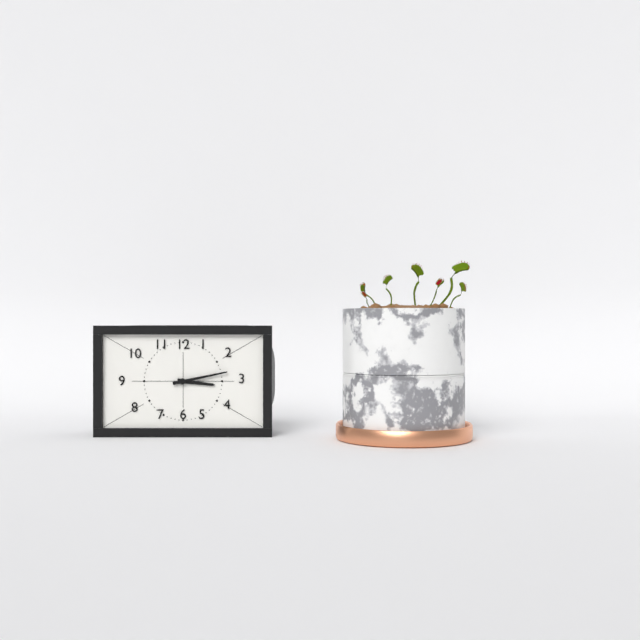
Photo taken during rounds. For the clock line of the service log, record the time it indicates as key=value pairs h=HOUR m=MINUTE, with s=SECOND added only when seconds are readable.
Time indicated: h=3 m=13
